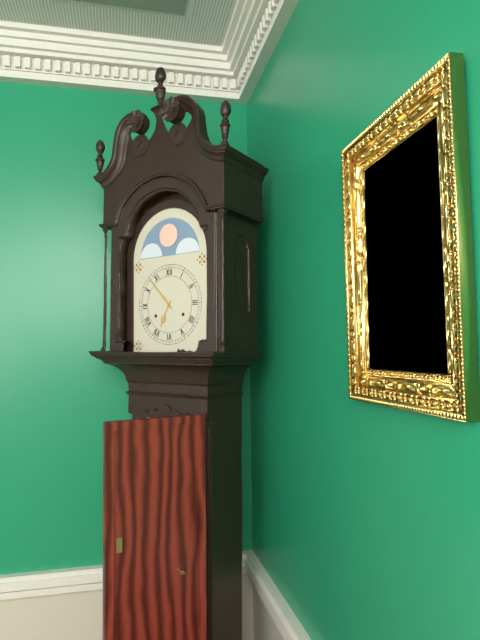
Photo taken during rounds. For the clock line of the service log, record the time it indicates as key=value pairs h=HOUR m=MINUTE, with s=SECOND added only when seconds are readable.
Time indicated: h=6 m=53
